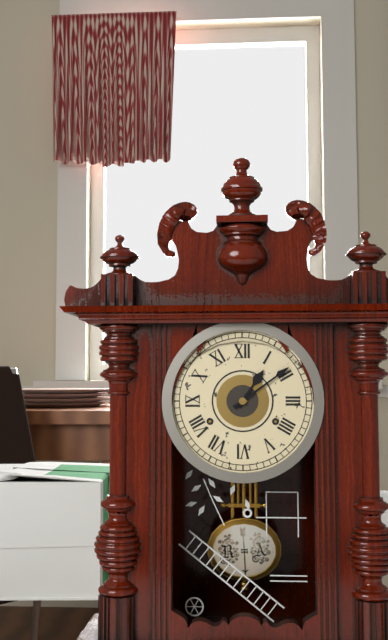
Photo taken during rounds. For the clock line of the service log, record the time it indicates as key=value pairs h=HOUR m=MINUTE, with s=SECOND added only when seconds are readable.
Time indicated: h=1 m=9
